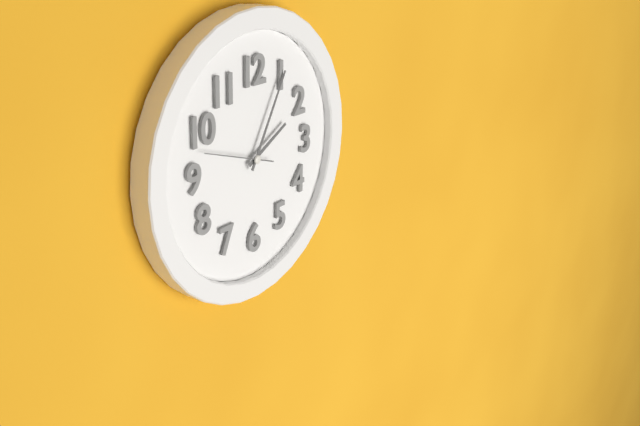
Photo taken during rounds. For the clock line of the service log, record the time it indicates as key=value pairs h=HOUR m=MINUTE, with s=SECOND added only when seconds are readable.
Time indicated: h=2 m=5 s=48
